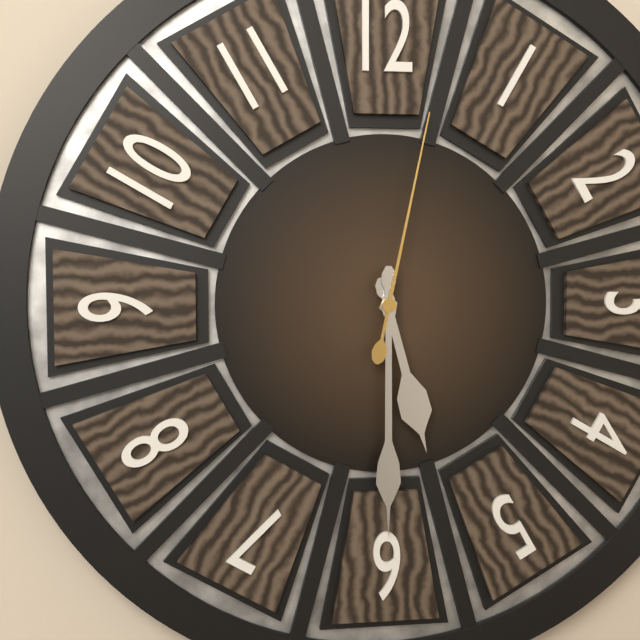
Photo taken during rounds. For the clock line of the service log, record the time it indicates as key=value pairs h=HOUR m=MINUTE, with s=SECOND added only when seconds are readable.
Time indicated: h=5 m=30 s=2
